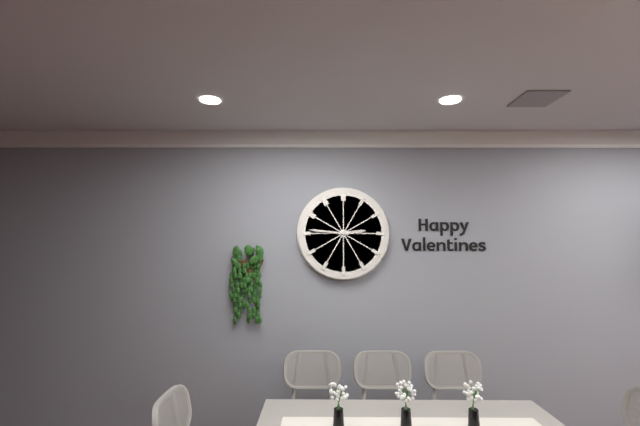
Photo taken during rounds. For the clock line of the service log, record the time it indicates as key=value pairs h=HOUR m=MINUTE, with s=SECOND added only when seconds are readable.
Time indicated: h=2 m=46
